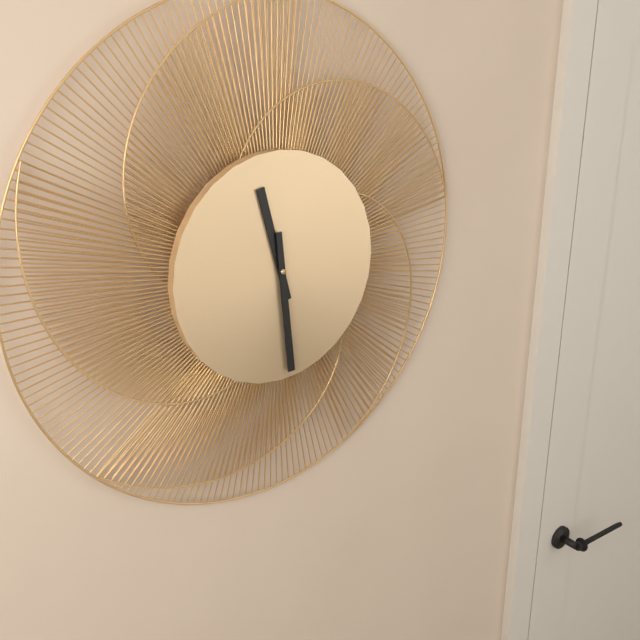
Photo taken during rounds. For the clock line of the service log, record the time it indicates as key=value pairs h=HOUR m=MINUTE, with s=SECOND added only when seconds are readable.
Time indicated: h=11 m=29
